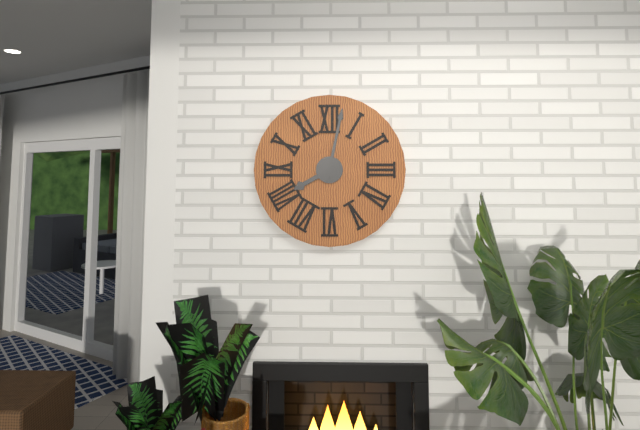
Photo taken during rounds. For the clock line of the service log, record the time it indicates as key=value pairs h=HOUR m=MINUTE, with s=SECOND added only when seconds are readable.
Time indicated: h=8 m=2
